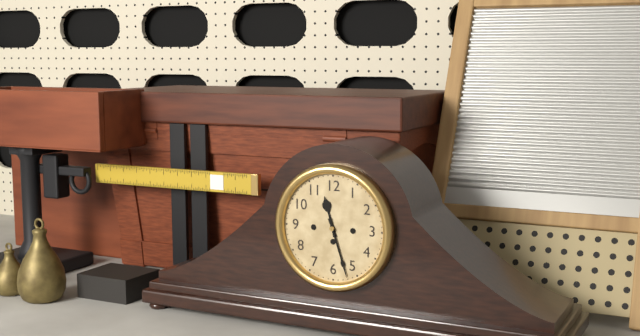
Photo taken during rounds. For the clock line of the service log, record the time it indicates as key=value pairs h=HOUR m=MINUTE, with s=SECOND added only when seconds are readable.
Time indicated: h=11 m=27
